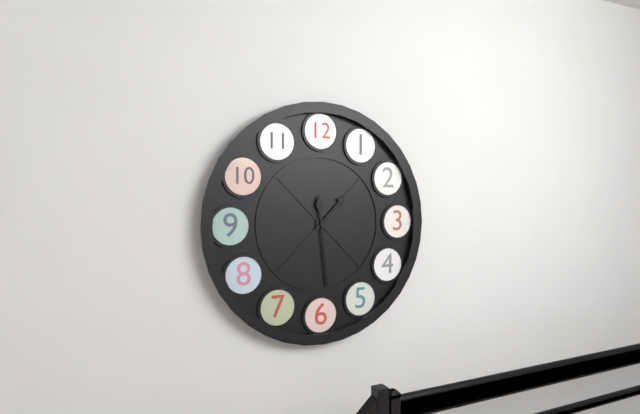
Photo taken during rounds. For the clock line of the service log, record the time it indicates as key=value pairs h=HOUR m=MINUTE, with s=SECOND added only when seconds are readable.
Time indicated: h=1 m=29
